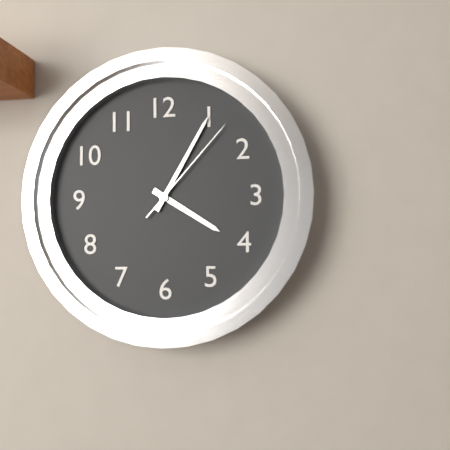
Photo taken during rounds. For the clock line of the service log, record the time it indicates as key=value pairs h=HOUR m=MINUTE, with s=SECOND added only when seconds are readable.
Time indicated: h=4 m=5 s=7
